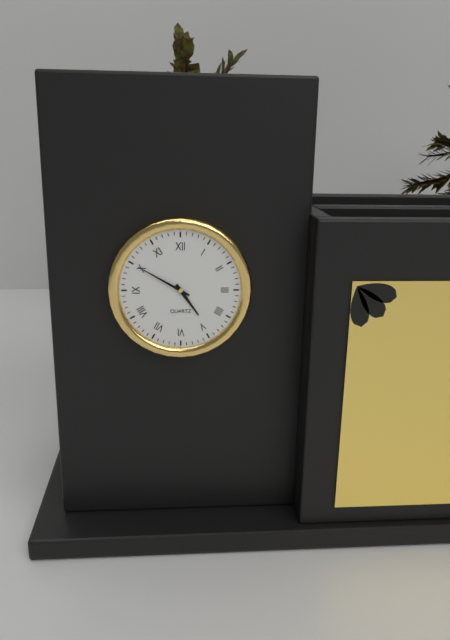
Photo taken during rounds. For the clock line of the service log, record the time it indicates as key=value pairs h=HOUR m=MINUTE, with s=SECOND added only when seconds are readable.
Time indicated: h=4 m=50
